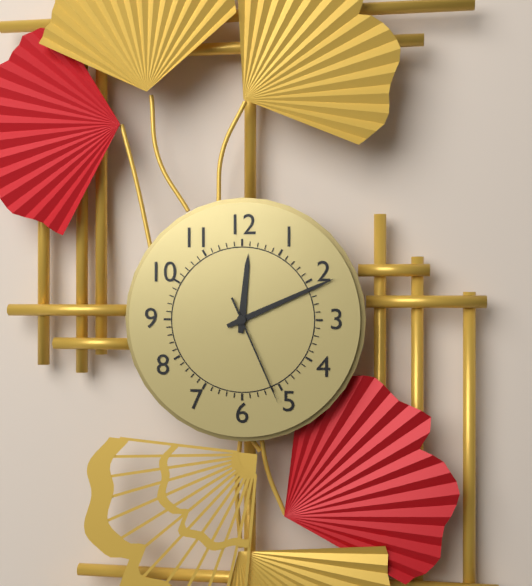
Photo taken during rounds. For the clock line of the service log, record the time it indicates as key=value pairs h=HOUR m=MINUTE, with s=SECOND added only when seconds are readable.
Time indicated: h=12 m=11 s=26
